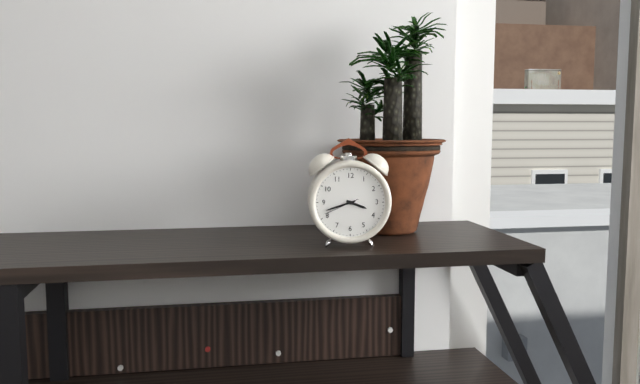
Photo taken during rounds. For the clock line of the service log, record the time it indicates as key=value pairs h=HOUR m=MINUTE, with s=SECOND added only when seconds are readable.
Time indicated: h=3 m=42
